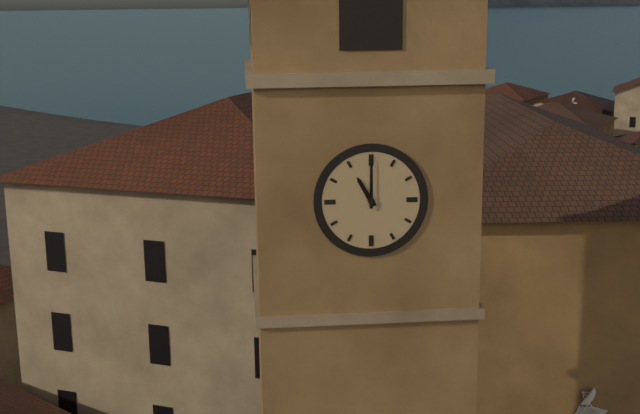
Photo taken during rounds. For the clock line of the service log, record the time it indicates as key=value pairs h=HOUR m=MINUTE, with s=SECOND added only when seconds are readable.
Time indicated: h=11 m=0
